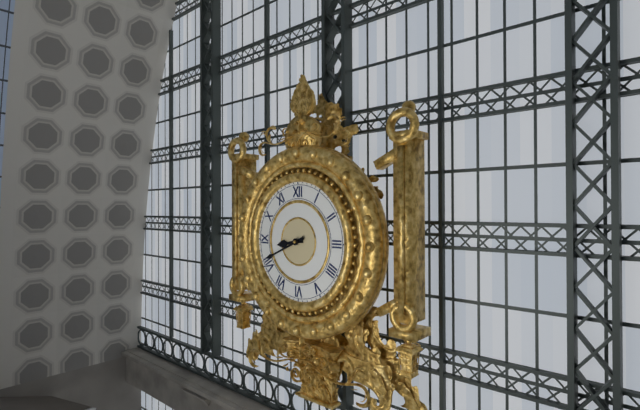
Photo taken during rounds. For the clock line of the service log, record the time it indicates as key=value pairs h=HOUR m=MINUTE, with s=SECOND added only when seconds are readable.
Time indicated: h=8 m=41
